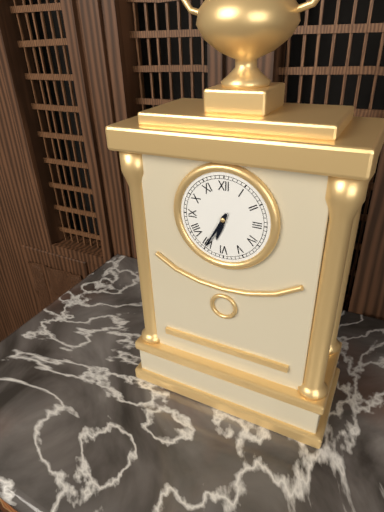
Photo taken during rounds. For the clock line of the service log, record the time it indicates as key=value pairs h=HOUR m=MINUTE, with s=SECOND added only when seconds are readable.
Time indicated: h=6 m=35
